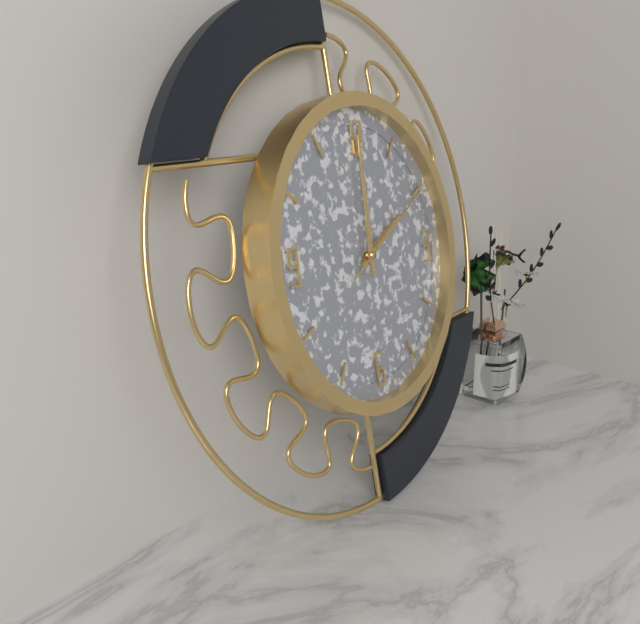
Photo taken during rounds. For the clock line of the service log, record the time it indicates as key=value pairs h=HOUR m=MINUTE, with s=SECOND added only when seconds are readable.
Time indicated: h=2 m=0 s=10
